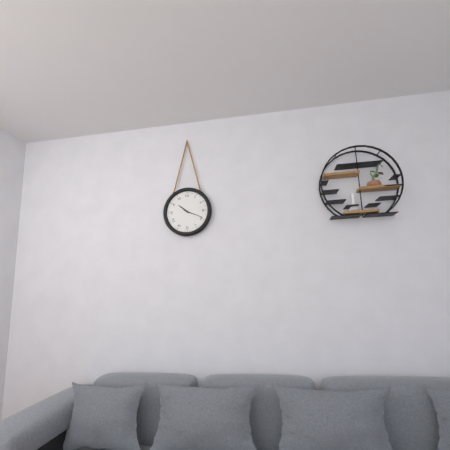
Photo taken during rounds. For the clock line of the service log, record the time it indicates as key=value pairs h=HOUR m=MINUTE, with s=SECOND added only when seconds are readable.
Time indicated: h=10 m=19
